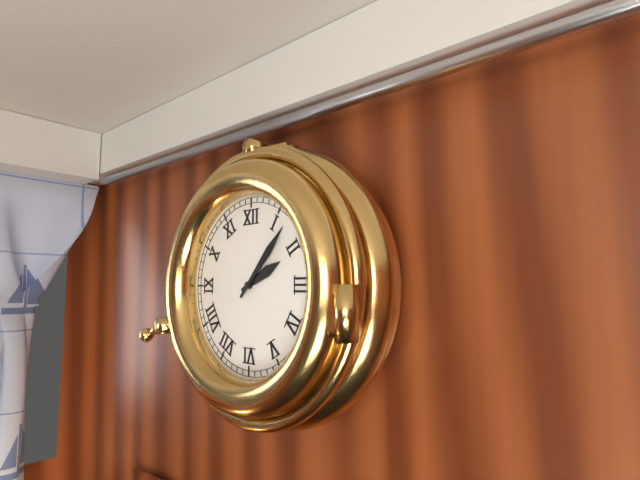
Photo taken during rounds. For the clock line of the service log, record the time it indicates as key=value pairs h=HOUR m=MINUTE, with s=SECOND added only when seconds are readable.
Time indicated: h=2 m=7
